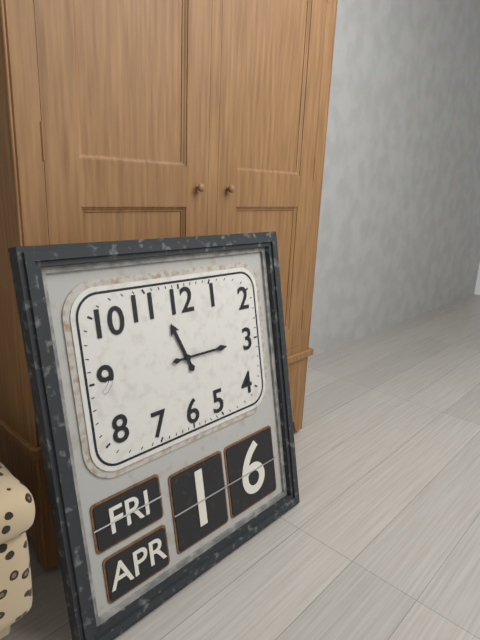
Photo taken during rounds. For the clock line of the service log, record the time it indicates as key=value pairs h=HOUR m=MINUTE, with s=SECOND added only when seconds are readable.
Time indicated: h=11 m=15
